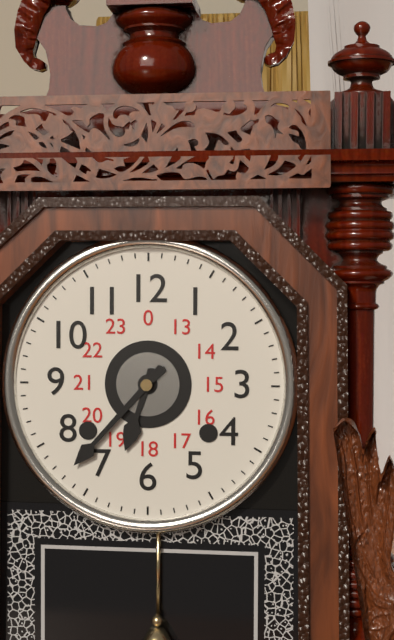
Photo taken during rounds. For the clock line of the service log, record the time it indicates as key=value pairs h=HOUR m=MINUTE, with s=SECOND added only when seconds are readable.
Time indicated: h=6 m=37
